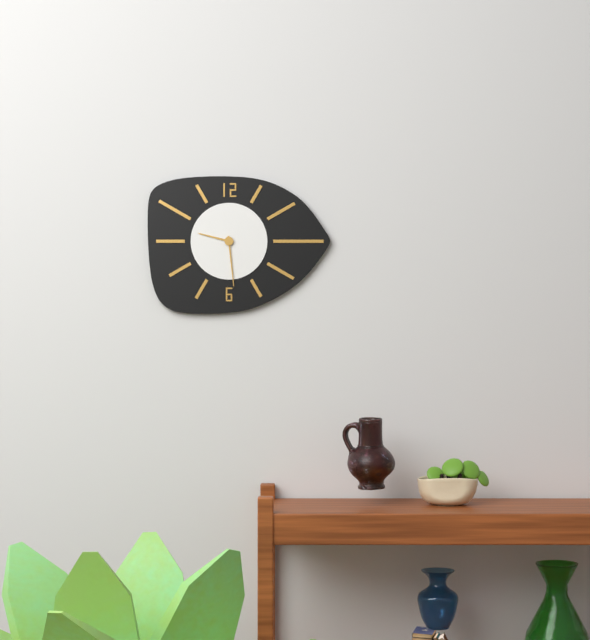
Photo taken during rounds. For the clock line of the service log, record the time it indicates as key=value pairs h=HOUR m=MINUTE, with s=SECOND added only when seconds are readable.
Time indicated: h=9 m=29
